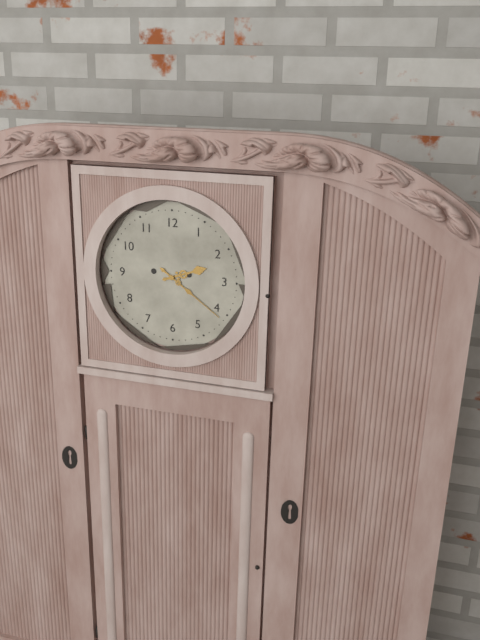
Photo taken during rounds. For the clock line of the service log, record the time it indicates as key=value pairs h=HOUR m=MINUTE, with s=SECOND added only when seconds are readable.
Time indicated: h=2 m=21
